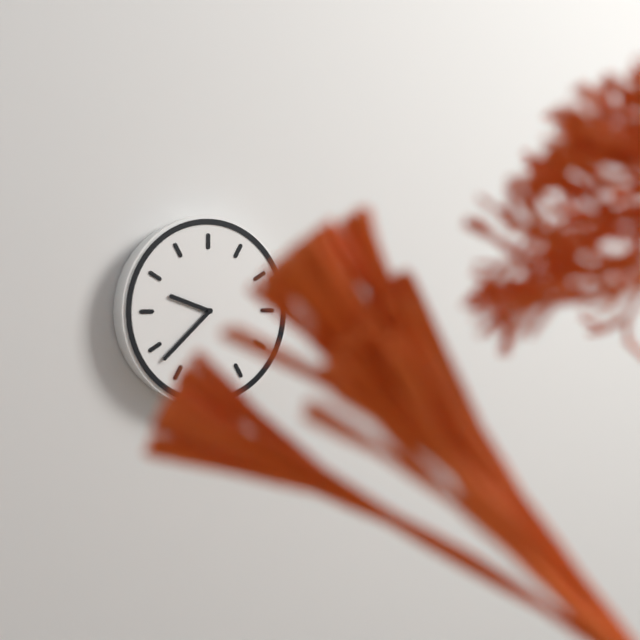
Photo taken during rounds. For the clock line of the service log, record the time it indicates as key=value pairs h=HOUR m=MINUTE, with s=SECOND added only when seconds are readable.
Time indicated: h=9 m=38
